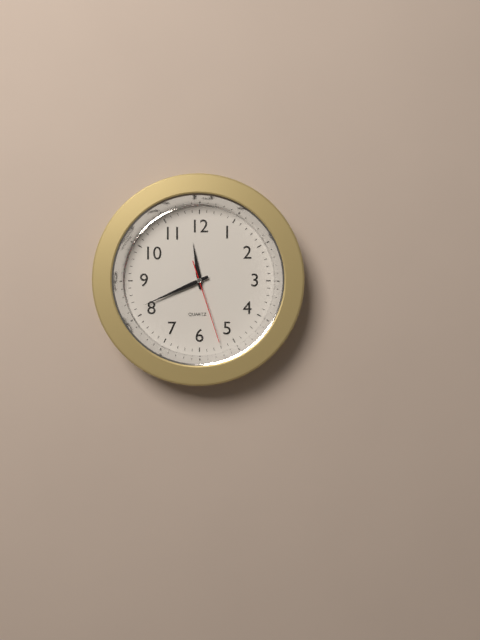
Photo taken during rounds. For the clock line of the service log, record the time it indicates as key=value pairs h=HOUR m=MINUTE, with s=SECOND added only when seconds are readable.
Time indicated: h=11 m=41 s=27
